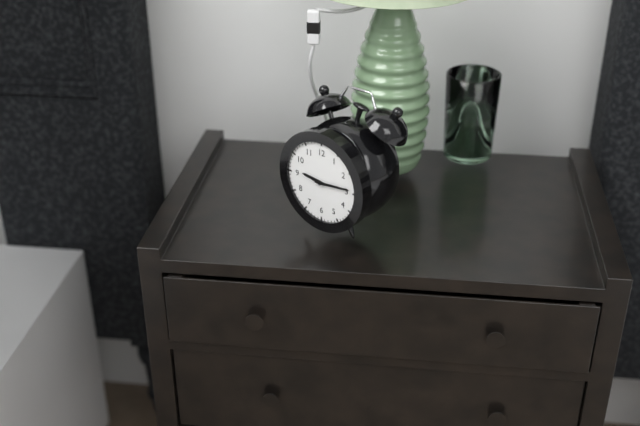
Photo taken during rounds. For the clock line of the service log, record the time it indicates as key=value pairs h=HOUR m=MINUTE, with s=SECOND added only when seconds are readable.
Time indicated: h=9 m=14
